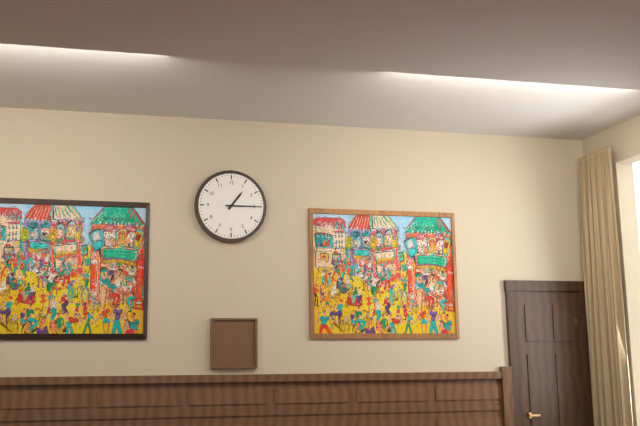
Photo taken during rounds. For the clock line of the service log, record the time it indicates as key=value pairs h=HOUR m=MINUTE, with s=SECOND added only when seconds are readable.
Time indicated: h=1 m=15
